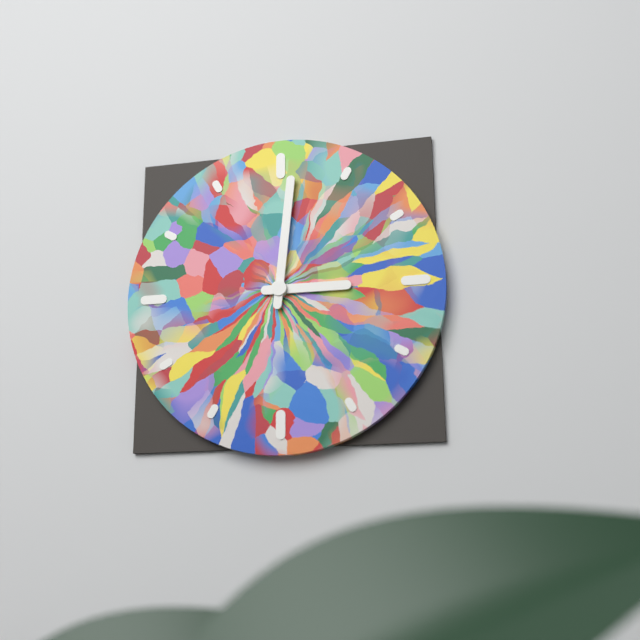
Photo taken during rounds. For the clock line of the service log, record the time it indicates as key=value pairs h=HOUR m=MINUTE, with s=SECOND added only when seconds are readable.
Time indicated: h=3 m=1
